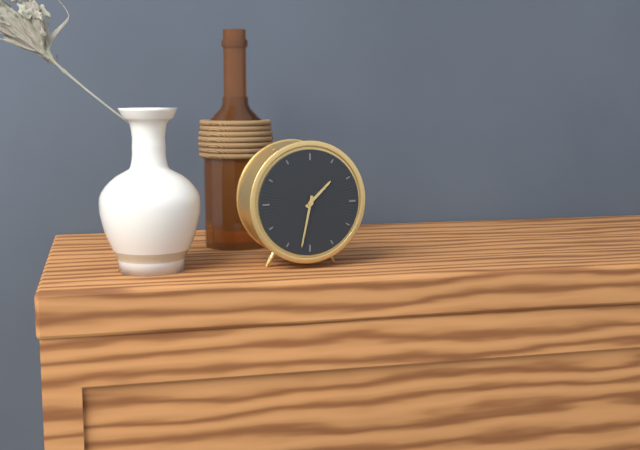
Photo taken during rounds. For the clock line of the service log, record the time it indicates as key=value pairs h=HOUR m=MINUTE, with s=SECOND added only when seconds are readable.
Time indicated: h=1 m=32
